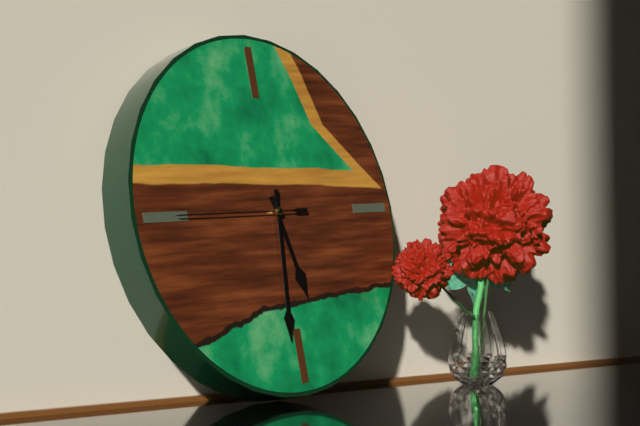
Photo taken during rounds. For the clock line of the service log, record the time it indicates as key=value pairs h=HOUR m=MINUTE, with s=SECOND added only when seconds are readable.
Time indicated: h=5 m=31 s=45
